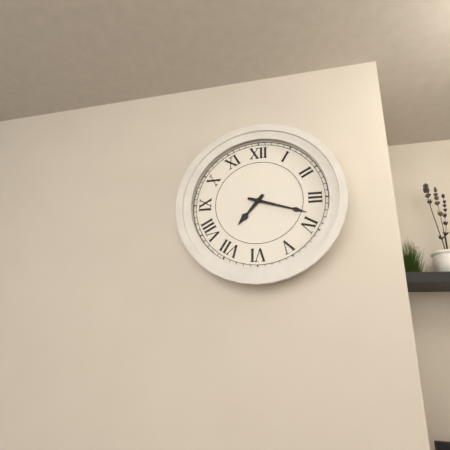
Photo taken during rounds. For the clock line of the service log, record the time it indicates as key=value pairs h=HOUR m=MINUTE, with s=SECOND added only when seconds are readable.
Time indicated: h=7 m=18
